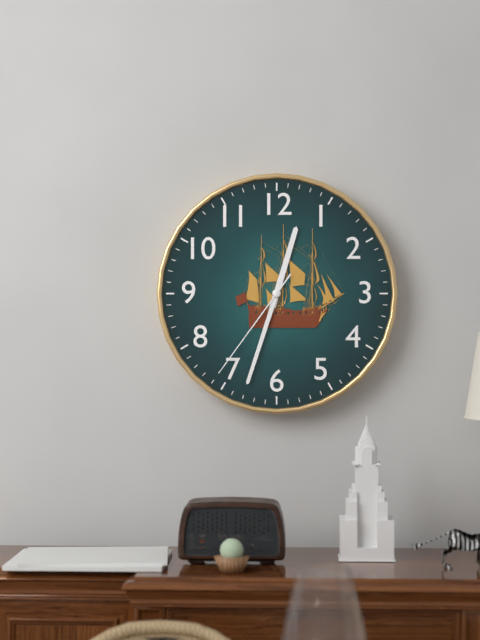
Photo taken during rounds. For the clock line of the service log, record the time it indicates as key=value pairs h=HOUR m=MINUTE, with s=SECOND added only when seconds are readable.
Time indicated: h=12 m=33 s=36
